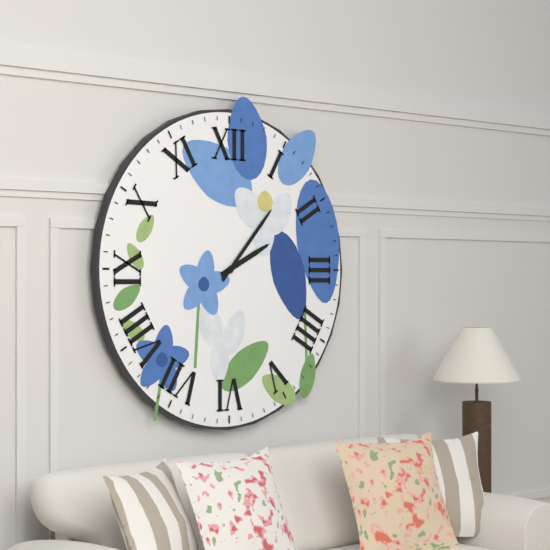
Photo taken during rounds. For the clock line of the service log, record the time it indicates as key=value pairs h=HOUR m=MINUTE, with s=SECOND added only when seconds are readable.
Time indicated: h=2 m=7
